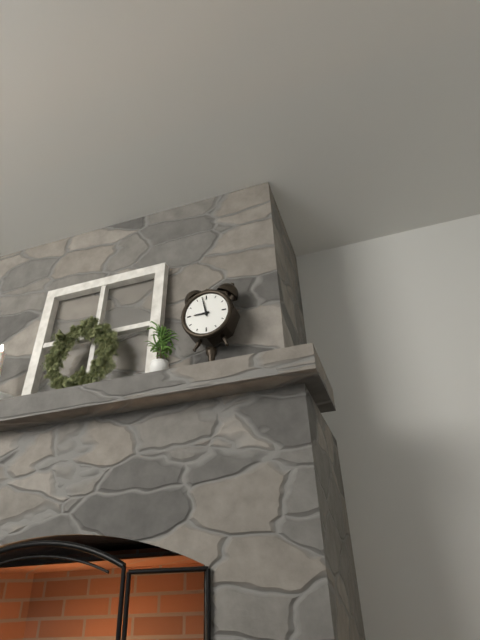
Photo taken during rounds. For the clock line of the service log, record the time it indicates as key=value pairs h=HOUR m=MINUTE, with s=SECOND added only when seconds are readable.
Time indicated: h=8 m=58
